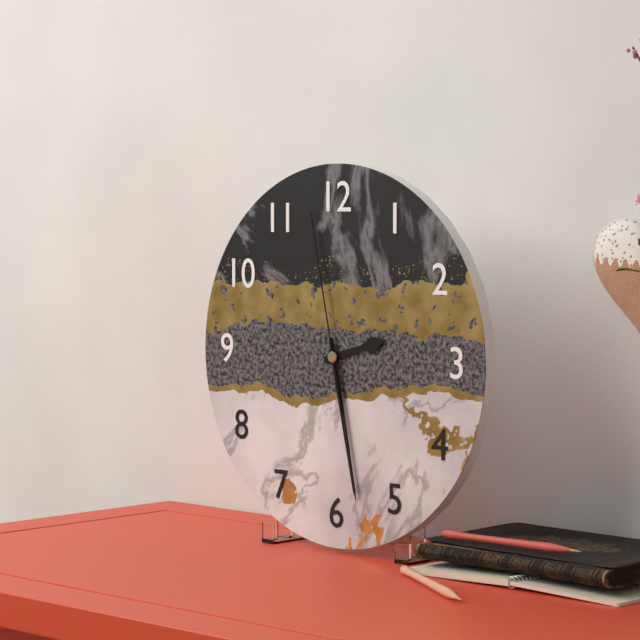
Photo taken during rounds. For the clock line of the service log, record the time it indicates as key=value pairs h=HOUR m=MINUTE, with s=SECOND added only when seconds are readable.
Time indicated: h=2 m=28 s=58
